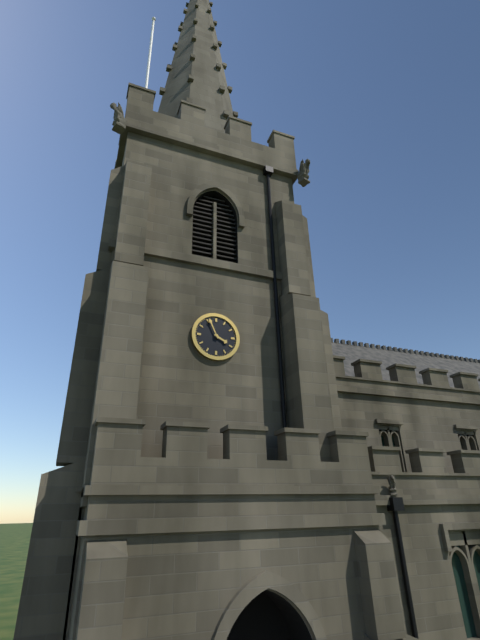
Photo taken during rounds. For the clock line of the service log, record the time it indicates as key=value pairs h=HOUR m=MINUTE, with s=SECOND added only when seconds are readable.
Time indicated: h=3 m=56
